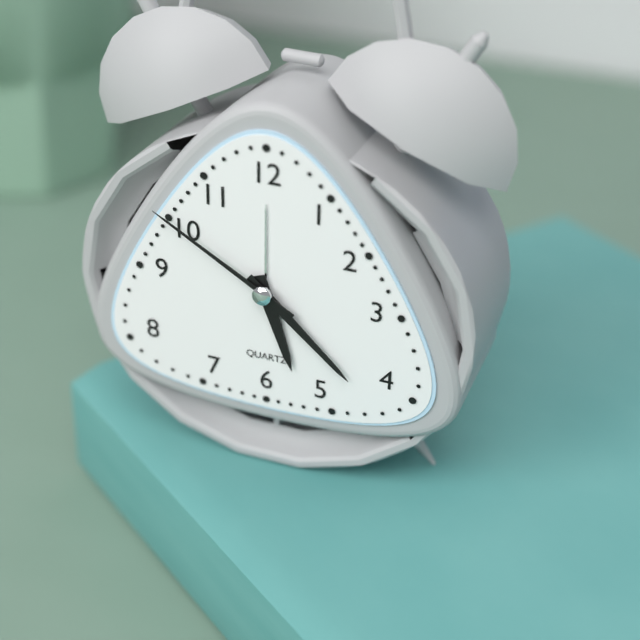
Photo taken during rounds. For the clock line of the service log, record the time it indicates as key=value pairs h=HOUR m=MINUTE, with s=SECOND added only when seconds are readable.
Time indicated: h=5 m=22 s=50
